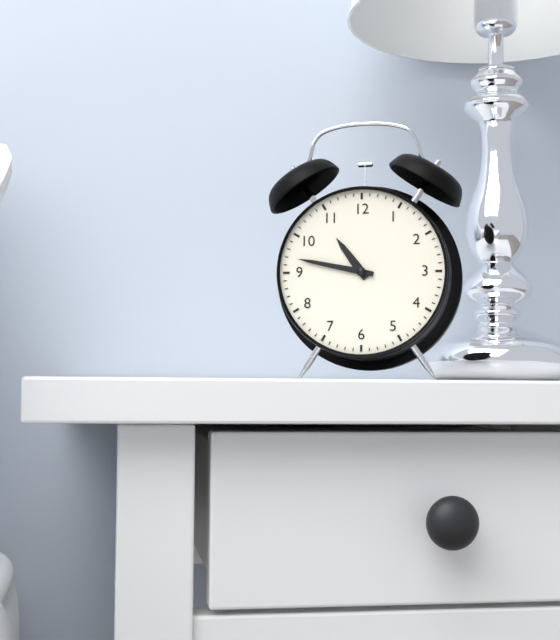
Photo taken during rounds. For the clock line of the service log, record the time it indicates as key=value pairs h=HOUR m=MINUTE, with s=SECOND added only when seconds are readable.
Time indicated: h=10 m=47
